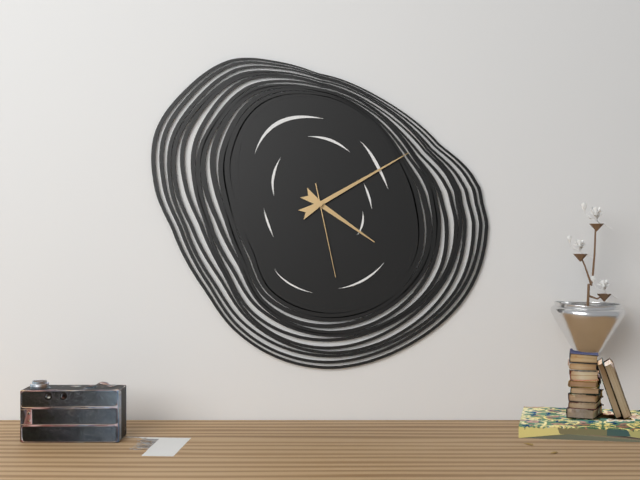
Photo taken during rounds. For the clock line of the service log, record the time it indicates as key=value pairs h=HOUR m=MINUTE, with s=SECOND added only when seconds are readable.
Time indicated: h=4 m=10 s=28
